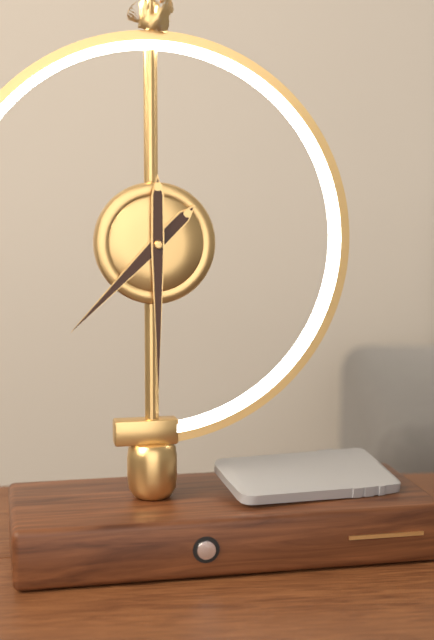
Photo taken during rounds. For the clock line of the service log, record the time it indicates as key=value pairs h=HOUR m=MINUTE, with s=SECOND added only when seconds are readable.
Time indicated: h=7 m=30
